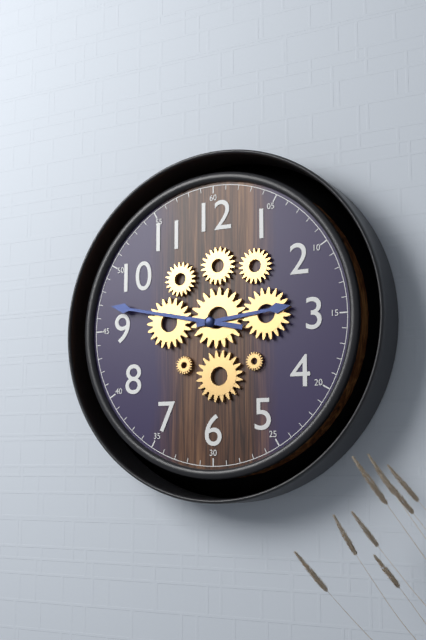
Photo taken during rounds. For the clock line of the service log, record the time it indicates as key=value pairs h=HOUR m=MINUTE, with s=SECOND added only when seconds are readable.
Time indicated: h=2 m=47
